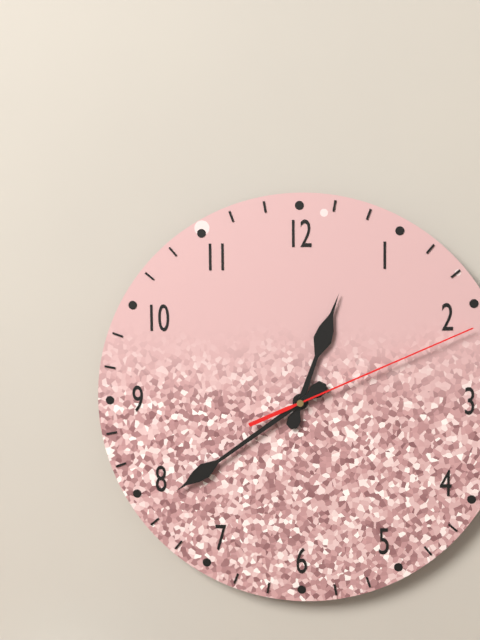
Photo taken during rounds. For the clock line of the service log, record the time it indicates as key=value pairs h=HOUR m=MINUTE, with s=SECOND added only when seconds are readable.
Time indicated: h=12 m=39 s=11
